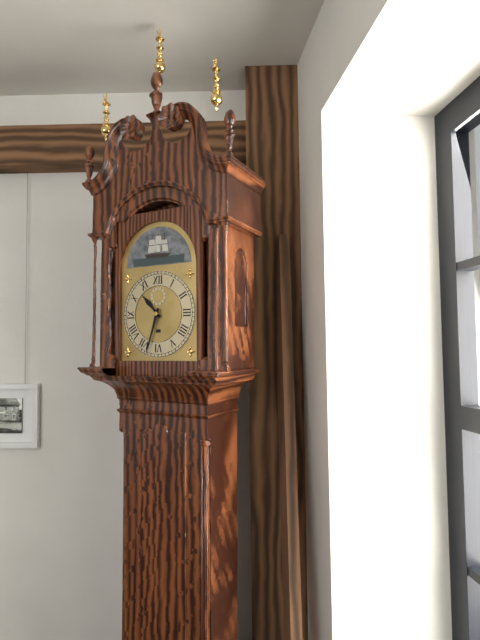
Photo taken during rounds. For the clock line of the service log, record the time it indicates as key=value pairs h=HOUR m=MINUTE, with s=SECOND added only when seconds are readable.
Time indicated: h=10 m=33
